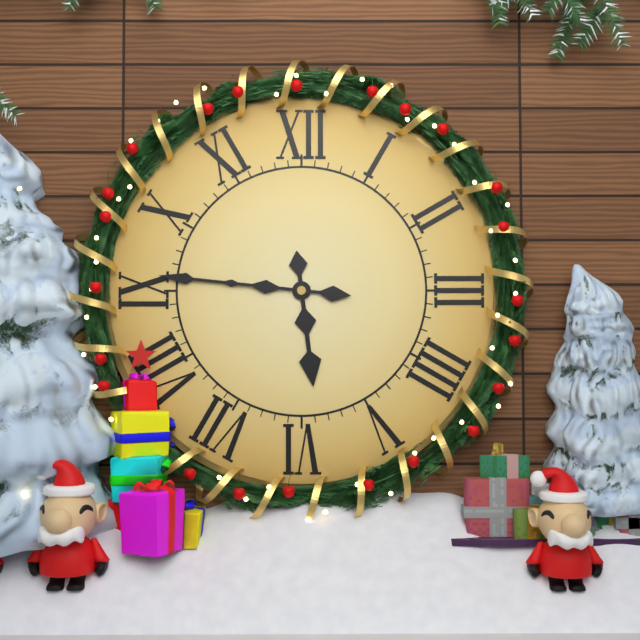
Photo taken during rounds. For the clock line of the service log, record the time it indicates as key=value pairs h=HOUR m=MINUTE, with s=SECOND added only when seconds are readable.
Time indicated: h=5 m=46
